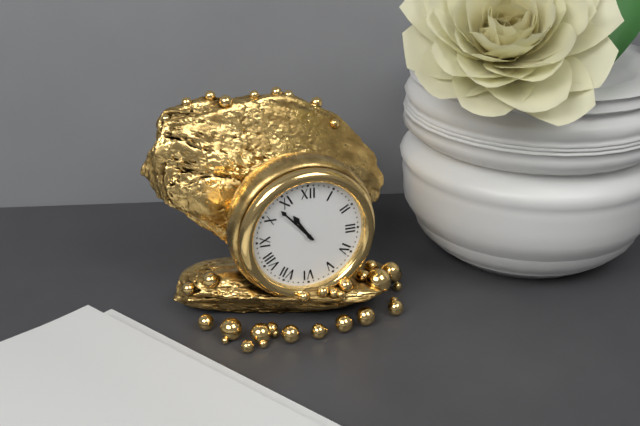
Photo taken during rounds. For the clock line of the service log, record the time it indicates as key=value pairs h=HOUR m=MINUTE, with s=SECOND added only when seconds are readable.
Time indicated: h=10 m=53
